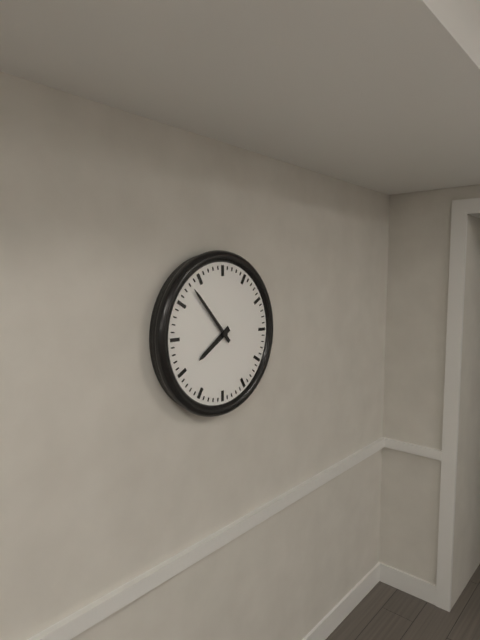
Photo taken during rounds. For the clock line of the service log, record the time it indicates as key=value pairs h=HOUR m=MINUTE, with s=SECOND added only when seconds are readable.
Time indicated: h=7 m=53
